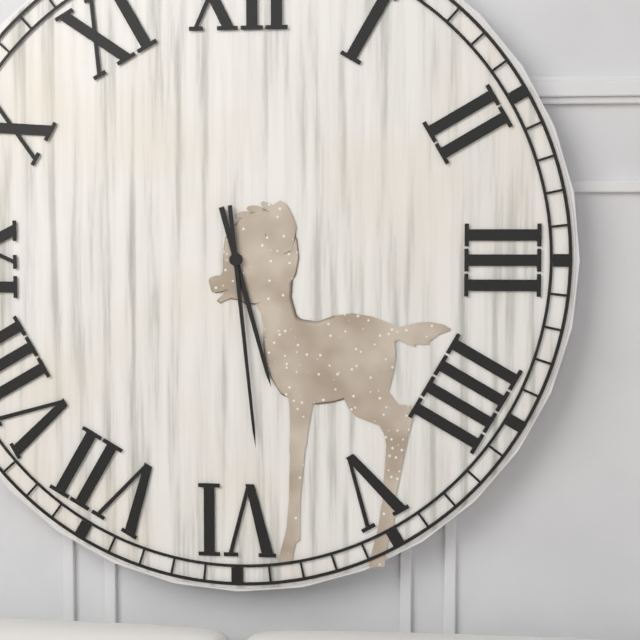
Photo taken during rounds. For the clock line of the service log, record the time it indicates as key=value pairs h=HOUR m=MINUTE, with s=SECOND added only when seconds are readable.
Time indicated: h=5 m=29
